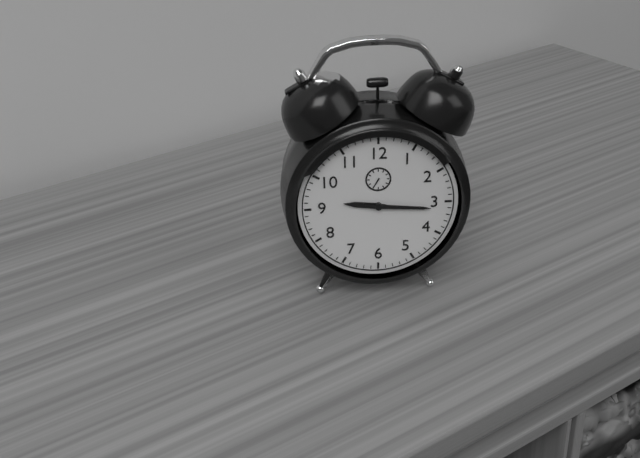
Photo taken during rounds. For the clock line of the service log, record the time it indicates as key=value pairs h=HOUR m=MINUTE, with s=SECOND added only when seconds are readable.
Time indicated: h=9 m=16
